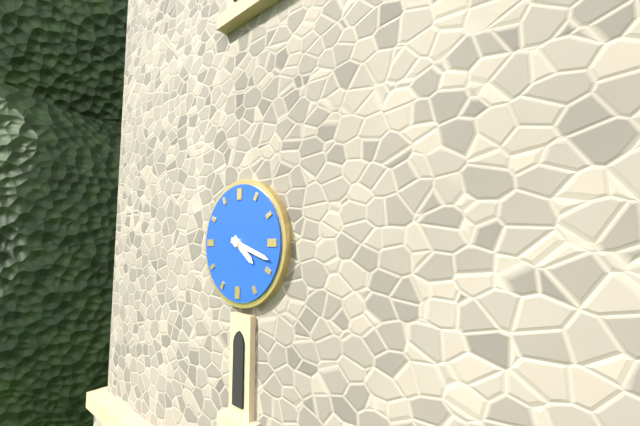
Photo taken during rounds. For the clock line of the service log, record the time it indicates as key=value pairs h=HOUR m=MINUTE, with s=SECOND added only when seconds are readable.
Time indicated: h=4 m=18
